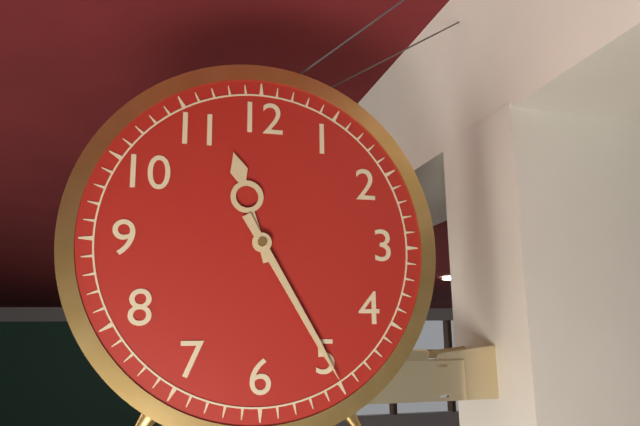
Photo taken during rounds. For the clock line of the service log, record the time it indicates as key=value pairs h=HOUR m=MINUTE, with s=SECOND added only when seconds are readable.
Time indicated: h=11 m=25
